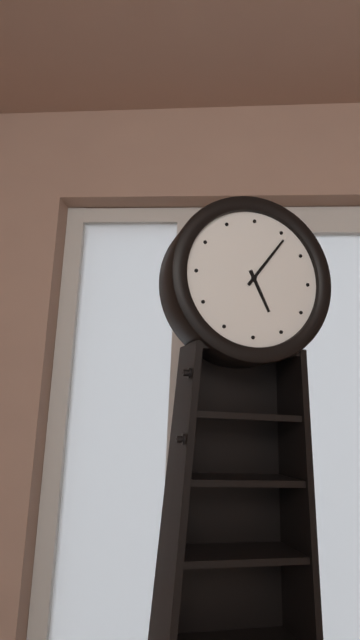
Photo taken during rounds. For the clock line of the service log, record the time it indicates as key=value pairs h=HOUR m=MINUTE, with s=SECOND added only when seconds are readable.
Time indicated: h=5 m=6
